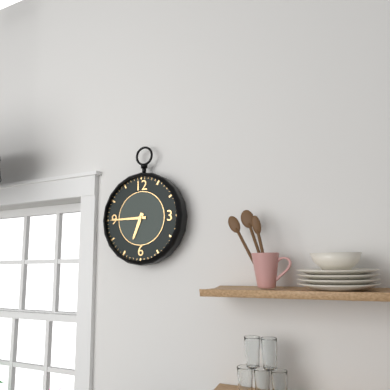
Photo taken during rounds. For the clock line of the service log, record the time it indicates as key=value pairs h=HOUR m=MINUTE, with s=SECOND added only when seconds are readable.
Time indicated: h=6 m=45
